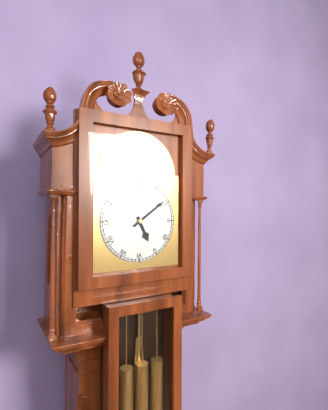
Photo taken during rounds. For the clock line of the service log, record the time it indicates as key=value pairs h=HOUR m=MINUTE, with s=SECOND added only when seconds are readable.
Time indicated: h=5 m=9
